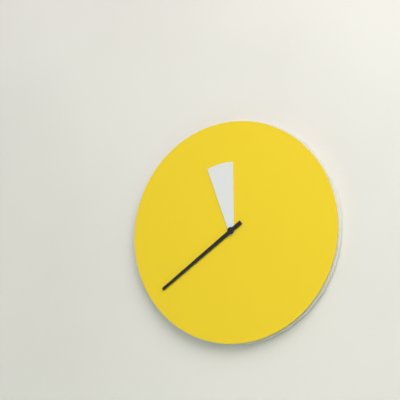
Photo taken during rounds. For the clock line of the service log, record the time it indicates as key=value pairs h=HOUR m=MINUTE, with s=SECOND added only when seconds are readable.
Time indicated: h=11 m=39
